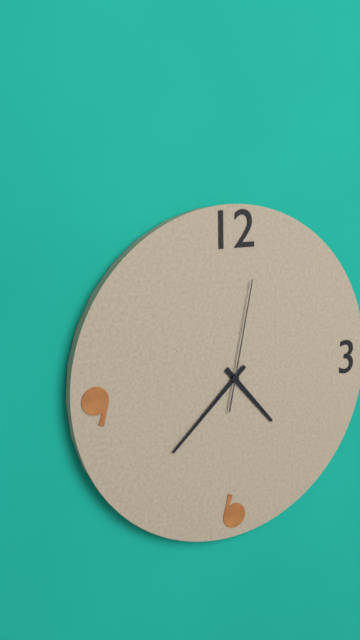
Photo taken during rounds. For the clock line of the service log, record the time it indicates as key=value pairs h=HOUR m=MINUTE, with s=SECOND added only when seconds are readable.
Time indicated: h=4 m=38 s=2
